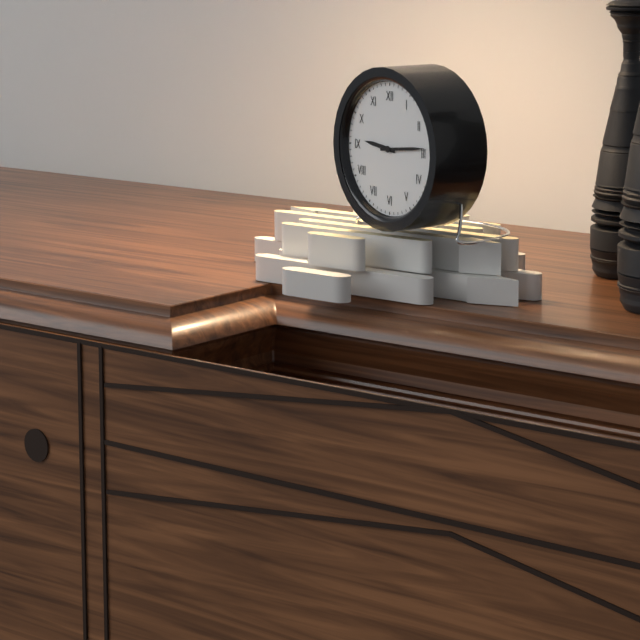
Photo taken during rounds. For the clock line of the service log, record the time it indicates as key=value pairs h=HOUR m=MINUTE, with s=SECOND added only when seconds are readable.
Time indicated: h=9 m=14
